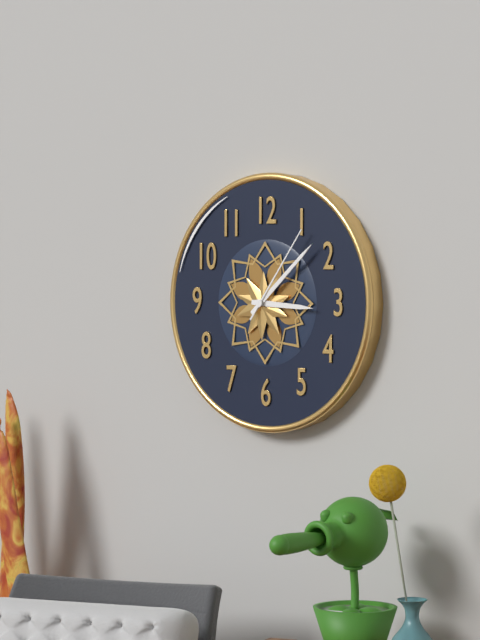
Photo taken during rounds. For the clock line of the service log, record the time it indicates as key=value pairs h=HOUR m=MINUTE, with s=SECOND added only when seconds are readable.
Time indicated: h=3 m=8 s=6
